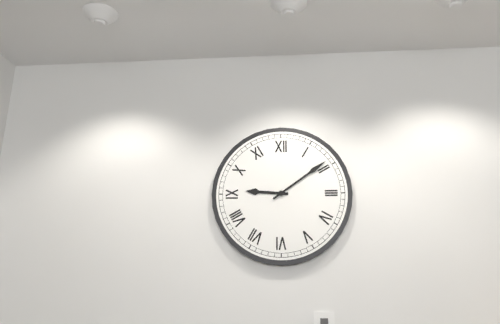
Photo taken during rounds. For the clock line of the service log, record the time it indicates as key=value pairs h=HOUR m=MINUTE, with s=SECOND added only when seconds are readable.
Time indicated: h=9 m=9
